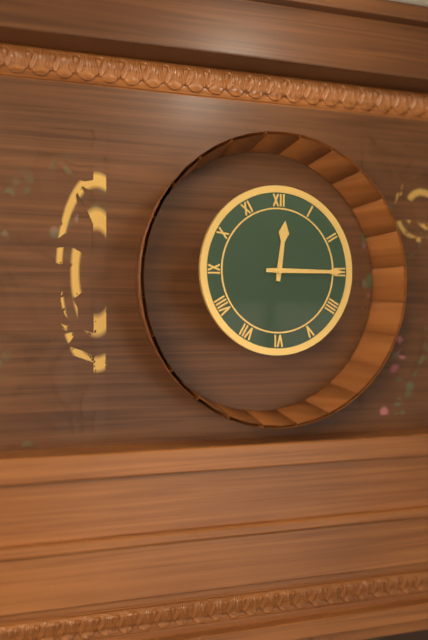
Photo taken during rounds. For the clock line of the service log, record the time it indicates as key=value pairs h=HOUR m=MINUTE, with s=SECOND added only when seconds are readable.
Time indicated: h=12 m=15
